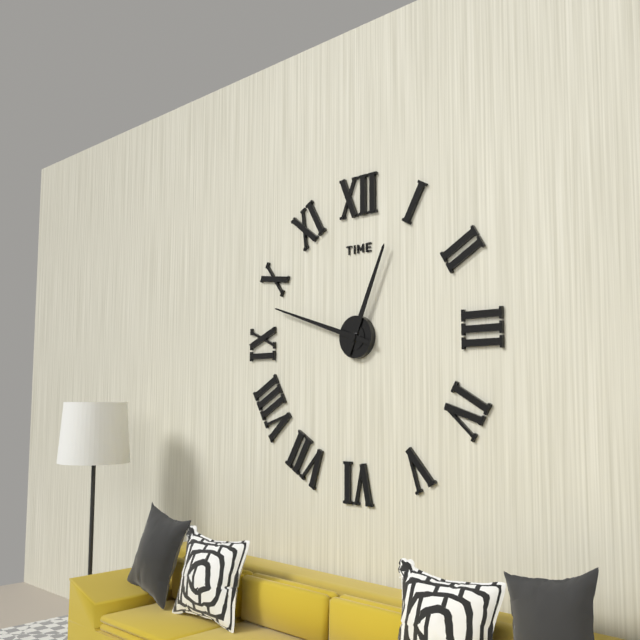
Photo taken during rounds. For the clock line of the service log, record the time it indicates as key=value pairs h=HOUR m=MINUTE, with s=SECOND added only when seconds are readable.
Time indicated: h=12 m=48
